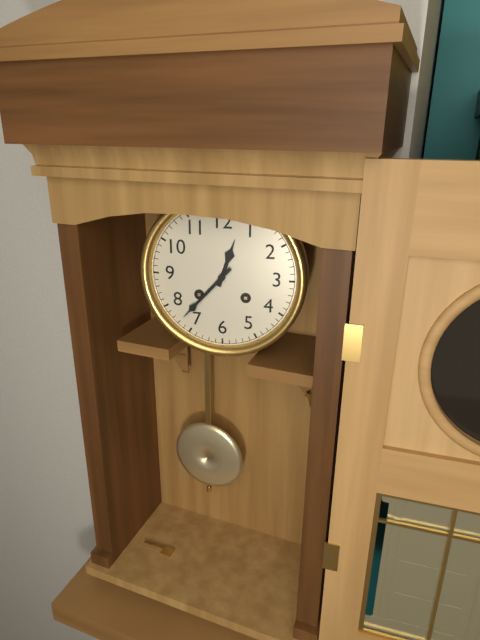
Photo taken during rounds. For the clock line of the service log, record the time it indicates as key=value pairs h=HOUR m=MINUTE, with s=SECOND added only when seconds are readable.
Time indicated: h=12 m=37
